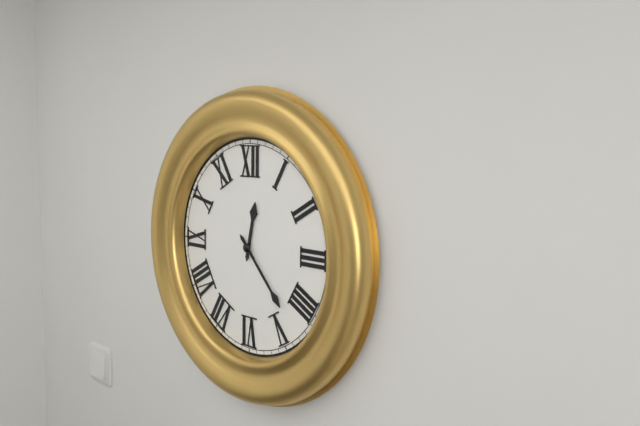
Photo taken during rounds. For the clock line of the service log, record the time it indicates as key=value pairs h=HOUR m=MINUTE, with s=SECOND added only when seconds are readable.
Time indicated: h=12 m=23
